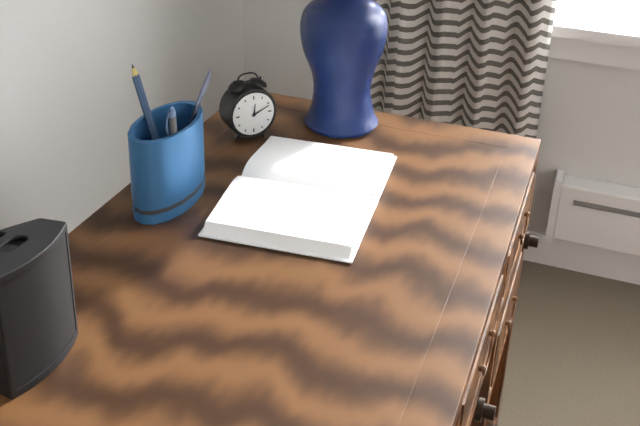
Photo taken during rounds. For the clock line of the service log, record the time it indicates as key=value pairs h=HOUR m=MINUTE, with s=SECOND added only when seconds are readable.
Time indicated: h=12 m=11
